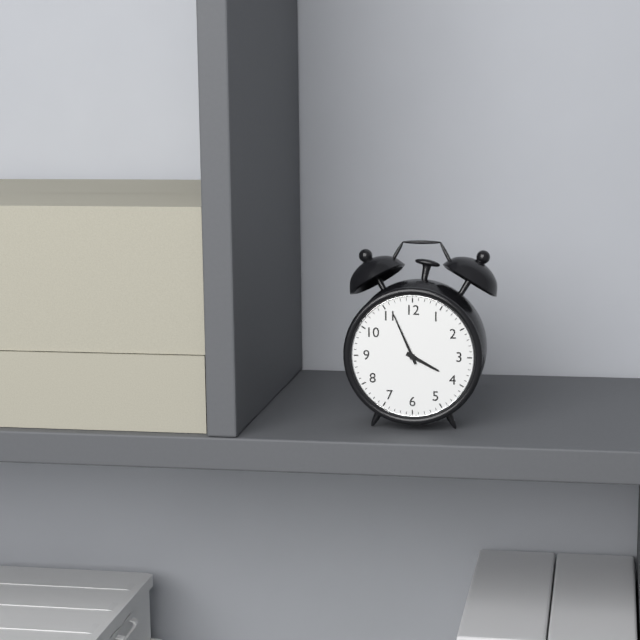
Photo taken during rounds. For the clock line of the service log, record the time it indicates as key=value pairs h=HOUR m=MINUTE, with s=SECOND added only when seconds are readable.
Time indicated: h=3 m=56
